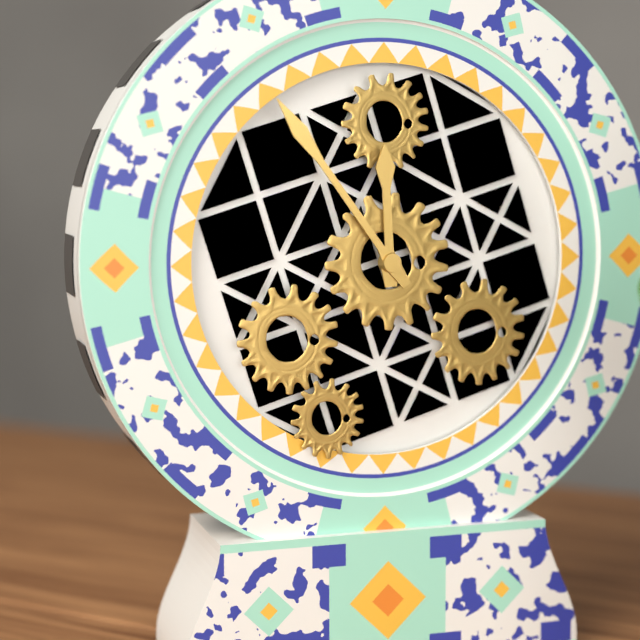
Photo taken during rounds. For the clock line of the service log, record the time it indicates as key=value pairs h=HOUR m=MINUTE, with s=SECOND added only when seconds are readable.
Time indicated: h=11 m=54
